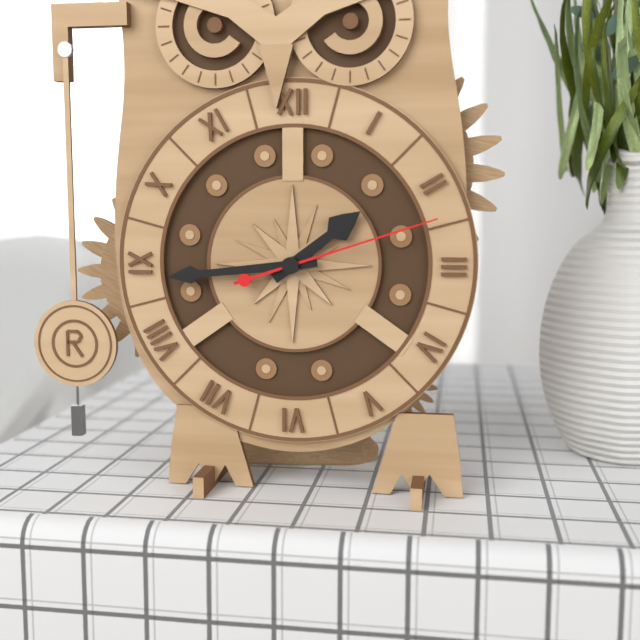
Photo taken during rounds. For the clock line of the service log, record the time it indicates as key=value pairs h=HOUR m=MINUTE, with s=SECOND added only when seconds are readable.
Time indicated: h=1 m=44 s=12
